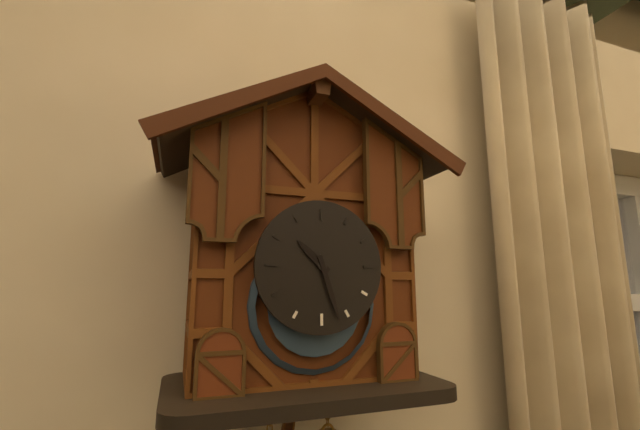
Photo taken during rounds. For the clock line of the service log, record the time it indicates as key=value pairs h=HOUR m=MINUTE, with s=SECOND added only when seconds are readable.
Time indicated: h=10 m=27
